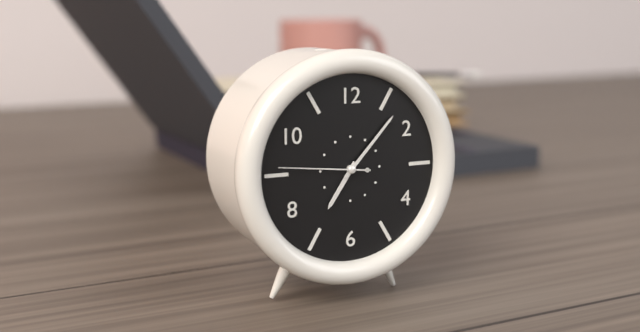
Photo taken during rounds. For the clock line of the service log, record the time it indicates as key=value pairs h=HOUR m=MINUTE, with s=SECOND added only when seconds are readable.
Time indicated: h=7 m=7 s=46
